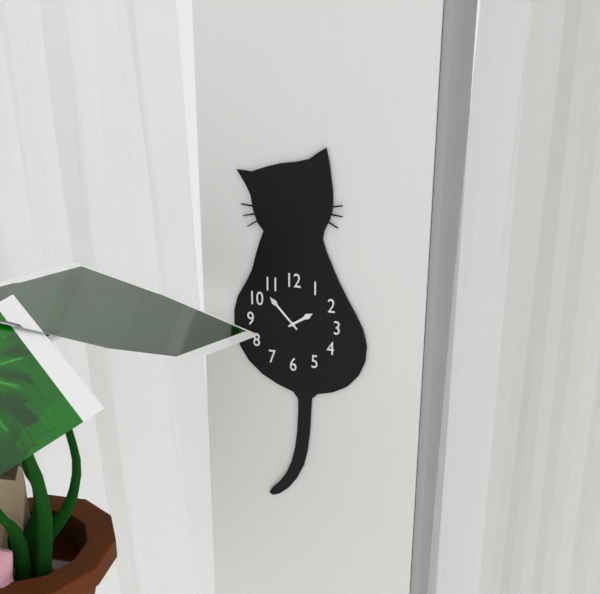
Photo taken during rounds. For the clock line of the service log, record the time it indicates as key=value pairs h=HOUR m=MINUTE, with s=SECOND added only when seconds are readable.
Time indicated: h=1 m=53
